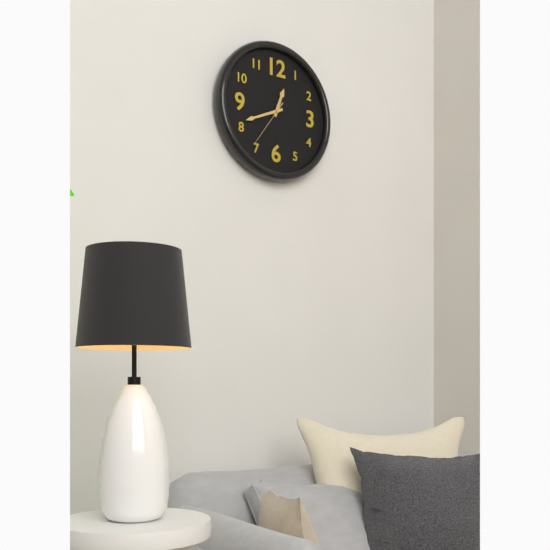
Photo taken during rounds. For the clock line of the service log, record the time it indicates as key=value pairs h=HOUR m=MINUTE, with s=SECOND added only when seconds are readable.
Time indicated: h=12 m=41 s=36
